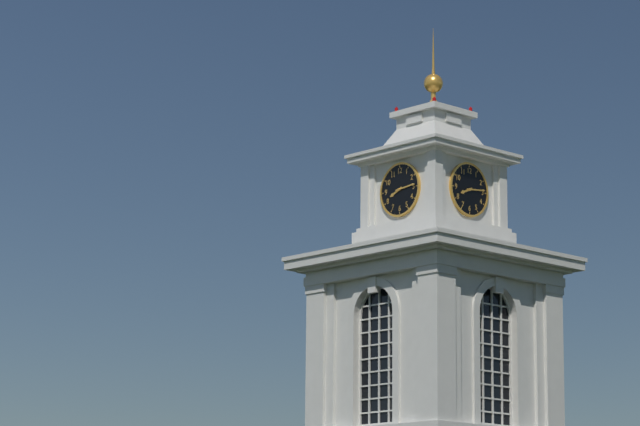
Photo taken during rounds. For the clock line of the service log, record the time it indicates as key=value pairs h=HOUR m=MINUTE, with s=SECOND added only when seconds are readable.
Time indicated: h=8 m=14
